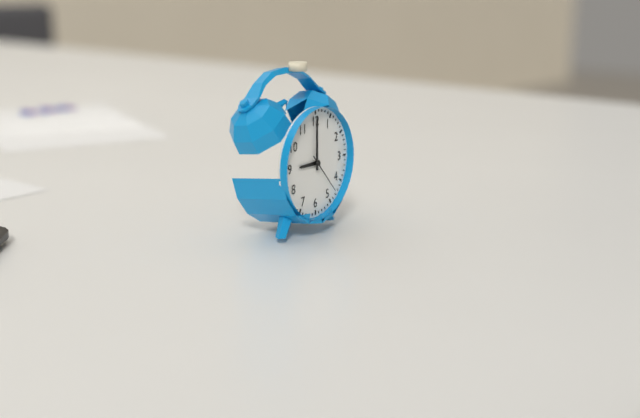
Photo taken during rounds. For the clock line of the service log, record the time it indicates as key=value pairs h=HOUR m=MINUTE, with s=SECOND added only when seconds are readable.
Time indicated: h=9 m=0
